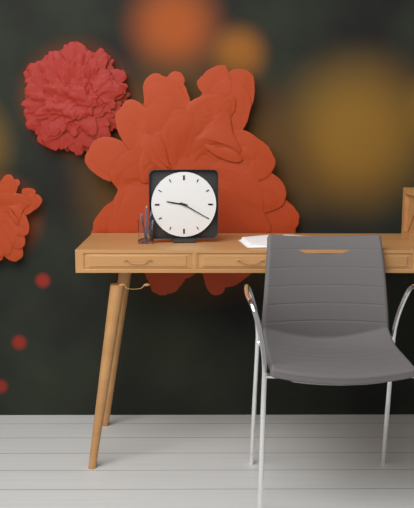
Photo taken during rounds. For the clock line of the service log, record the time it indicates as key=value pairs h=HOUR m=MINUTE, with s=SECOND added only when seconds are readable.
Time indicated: h=9 m=20
